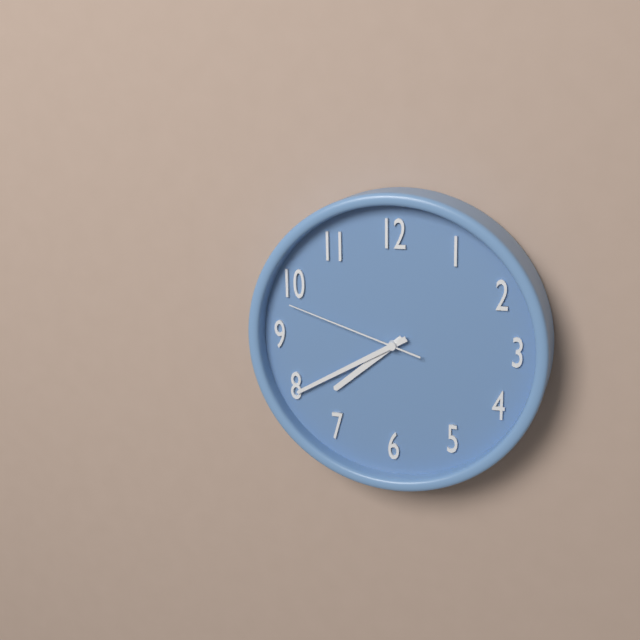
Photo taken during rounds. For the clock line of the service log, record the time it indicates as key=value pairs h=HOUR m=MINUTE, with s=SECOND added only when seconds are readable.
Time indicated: h=7 m=40 s=48
